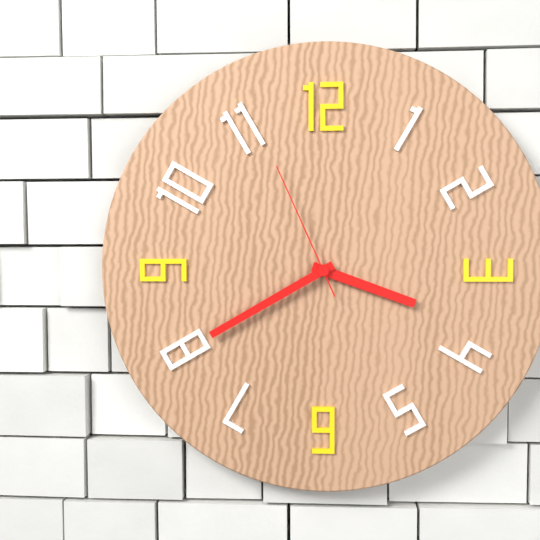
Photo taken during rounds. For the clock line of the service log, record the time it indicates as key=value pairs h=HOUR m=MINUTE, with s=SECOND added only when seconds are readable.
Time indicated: h=3 m=40 s=56
